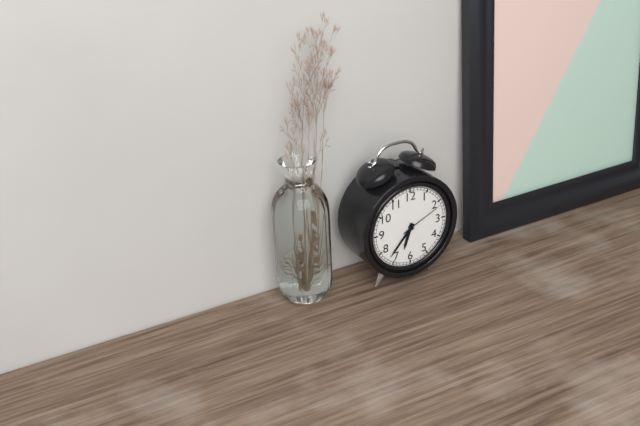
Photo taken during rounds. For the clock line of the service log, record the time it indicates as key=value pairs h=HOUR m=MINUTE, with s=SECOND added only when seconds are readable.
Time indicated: h=6 m=37
